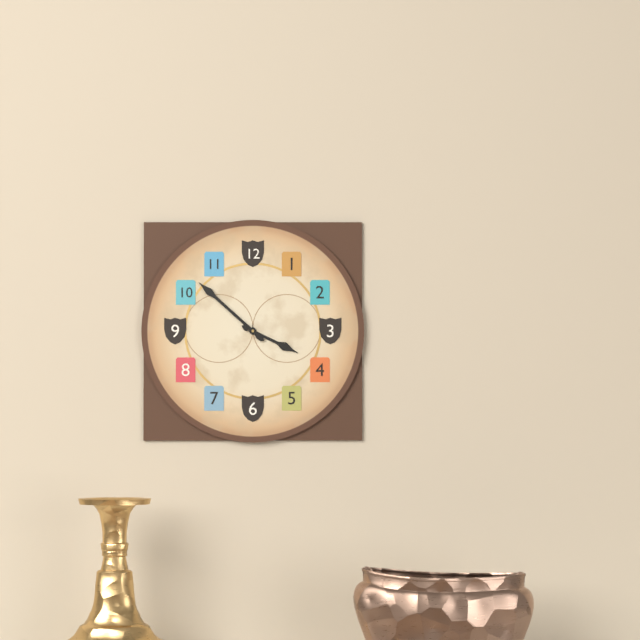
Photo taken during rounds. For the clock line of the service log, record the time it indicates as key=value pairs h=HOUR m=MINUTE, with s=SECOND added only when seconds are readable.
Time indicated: h=3 m=52
